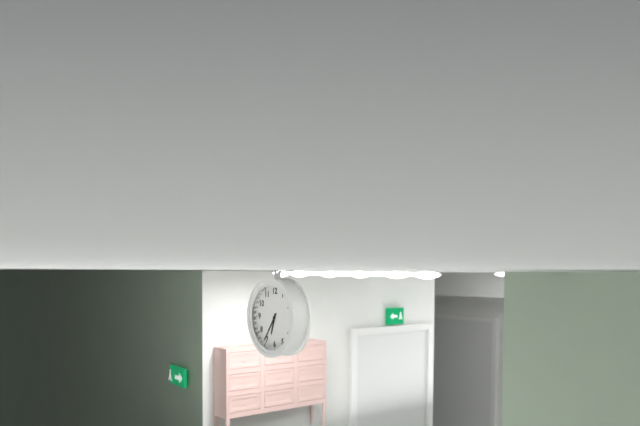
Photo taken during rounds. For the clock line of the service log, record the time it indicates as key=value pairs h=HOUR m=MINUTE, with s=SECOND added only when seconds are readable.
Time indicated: h=6 m=36
